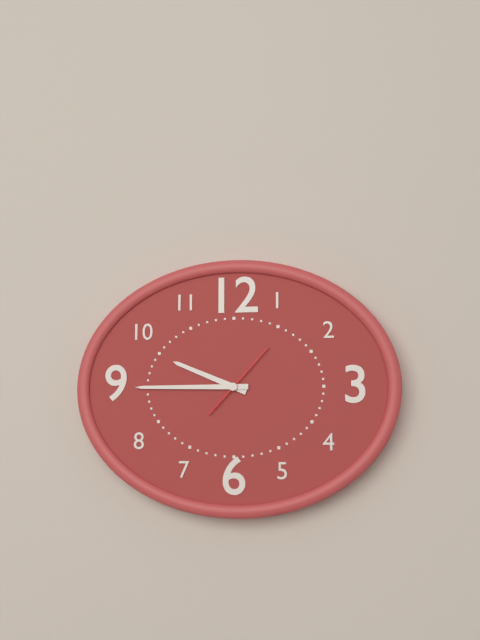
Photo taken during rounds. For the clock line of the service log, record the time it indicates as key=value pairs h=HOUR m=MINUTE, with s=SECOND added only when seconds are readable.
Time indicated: h=9 m=45 s=7
